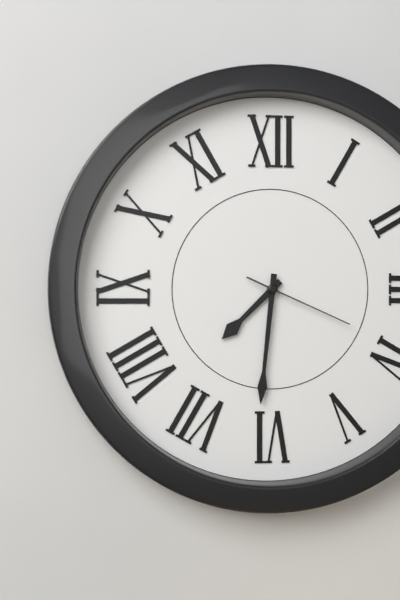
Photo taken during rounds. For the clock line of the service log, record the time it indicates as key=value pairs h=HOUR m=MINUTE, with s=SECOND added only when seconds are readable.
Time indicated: h=7 m=31 s=19
